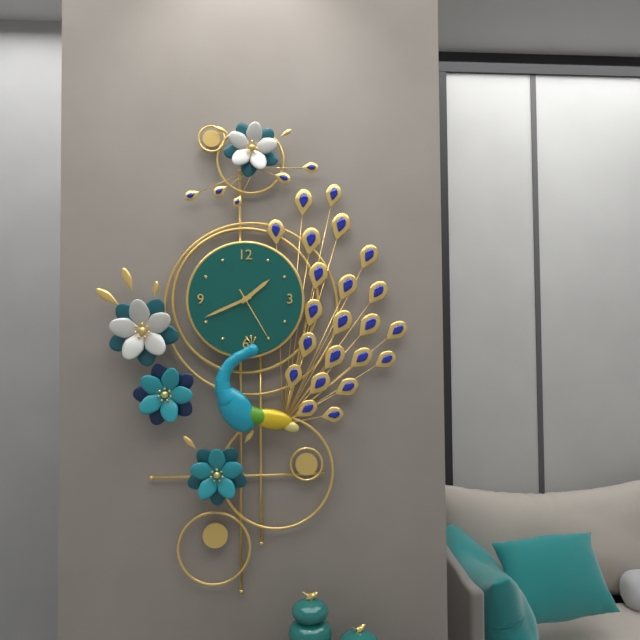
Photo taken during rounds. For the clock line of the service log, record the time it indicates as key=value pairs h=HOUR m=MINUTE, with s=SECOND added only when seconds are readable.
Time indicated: h=1 m=41 s=25
